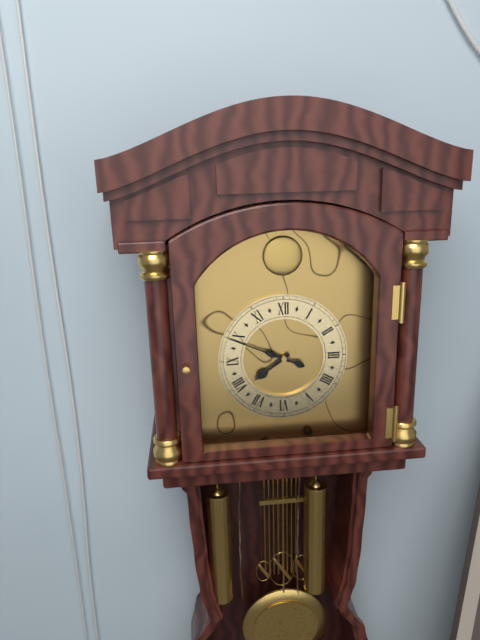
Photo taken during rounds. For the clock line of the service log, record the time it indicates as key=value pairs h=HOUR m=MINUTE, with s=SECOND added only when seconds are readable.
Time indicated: h=7 m=49
